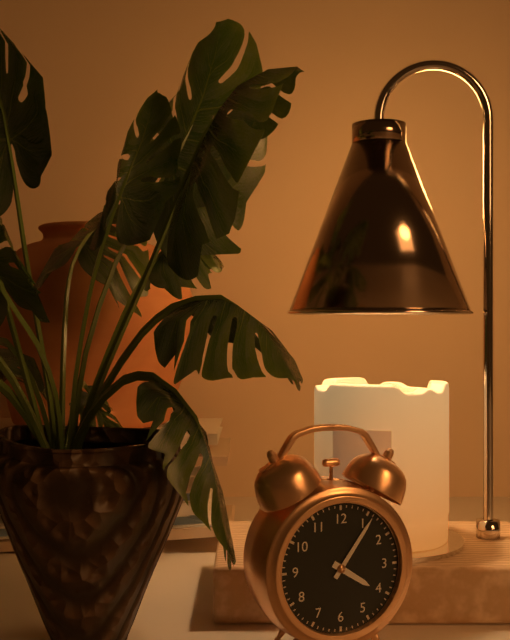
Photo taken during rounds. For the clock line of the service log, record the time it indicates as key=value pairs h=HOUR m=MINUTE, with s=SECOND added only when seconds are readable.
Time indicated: h=4 m=6
